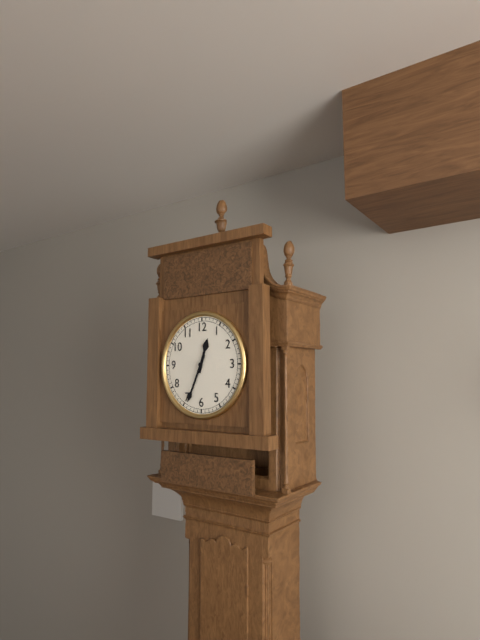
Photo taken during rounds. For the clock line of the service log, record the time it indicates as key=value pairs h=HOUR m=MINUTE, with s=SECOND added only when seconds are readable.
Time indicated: h=12 m=34
